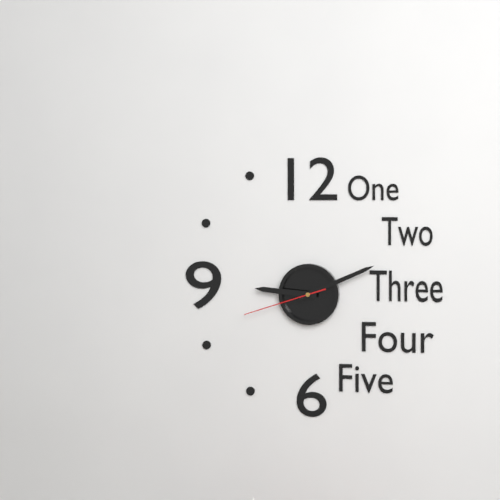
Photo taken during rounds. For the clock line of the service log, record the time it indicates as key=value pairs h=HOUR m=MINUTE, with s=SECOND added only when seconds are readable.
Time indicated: h=9 m=11 s=42
